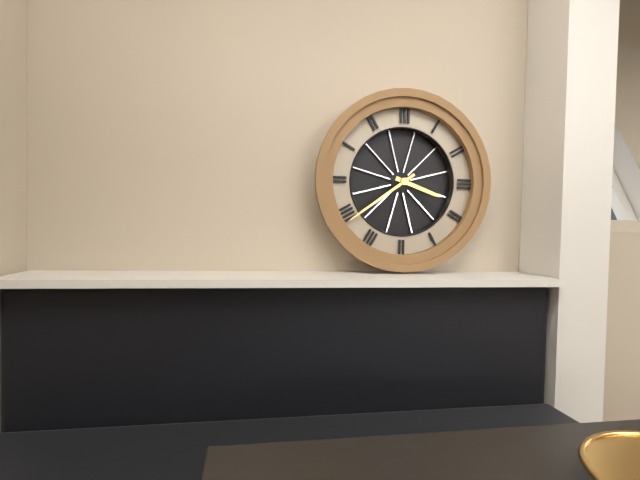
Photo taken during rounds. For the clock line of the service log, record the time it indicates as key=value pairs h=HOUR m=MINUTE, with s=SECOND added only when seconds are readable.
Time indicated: h=3 m=39
